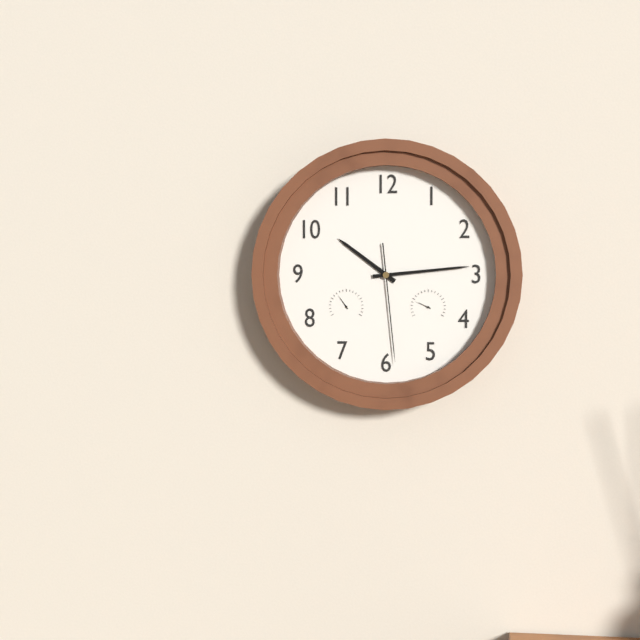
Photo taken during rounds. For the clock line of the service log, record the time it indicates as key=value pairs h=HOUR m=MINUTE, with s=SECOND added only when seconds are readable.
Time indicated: h=10 m=14 s=29
